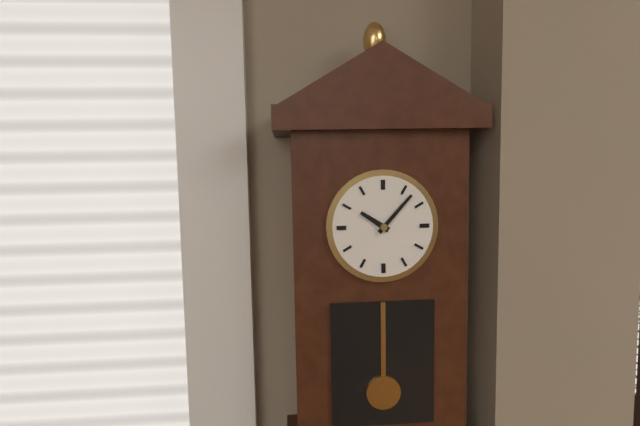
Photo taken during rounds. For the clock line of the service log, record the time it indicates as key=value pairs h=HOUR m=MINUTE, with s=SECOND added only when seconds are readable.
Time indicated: h=10 m=7
